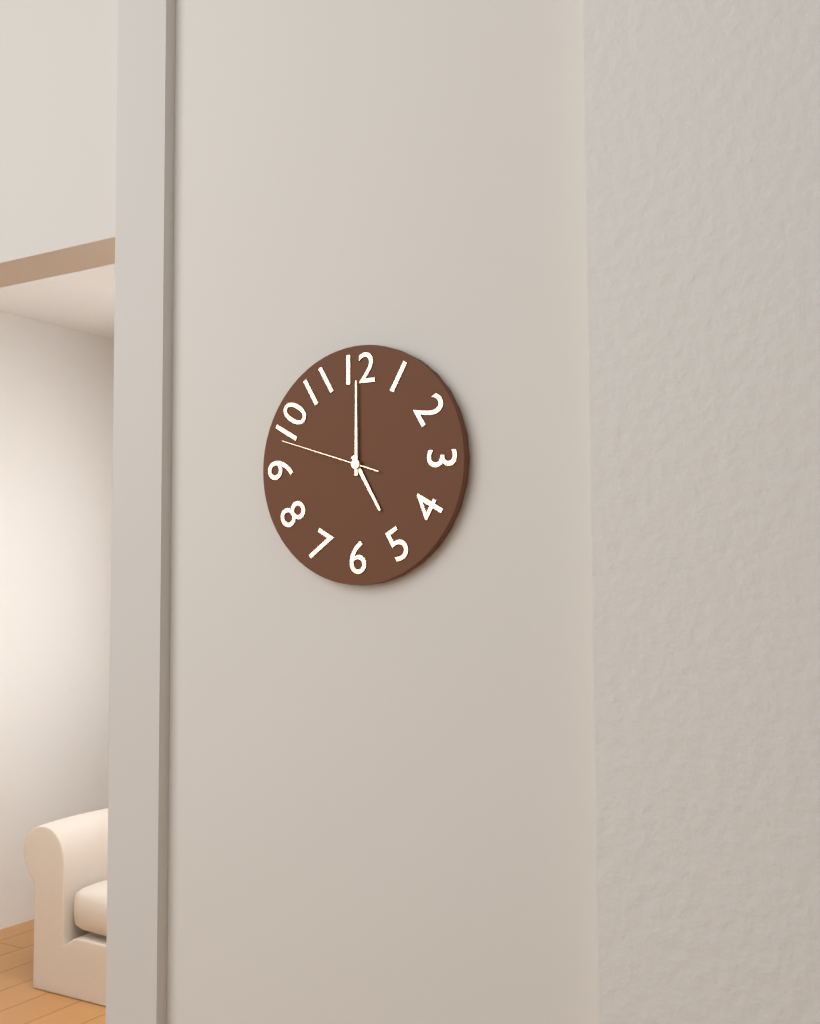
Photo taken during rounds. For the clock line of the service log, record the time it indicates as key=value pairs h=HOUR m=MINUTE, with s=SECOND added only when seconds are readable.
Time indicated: h=5 m=0 s=48
